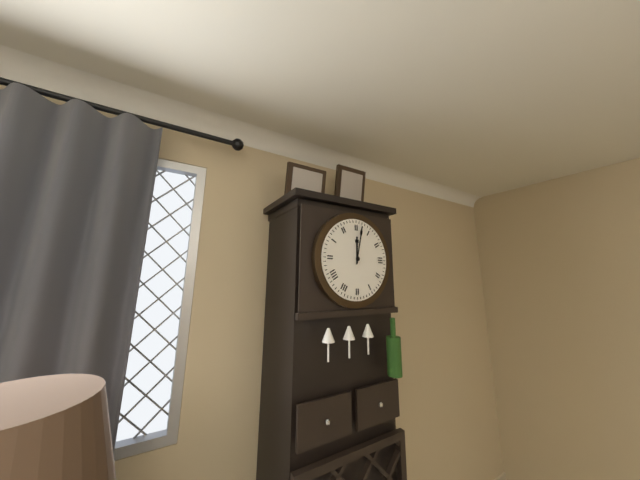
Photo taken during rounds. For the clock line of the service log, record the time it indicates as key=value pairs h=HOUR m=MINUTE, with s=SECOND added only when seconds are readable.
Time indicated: h=12 m=2
